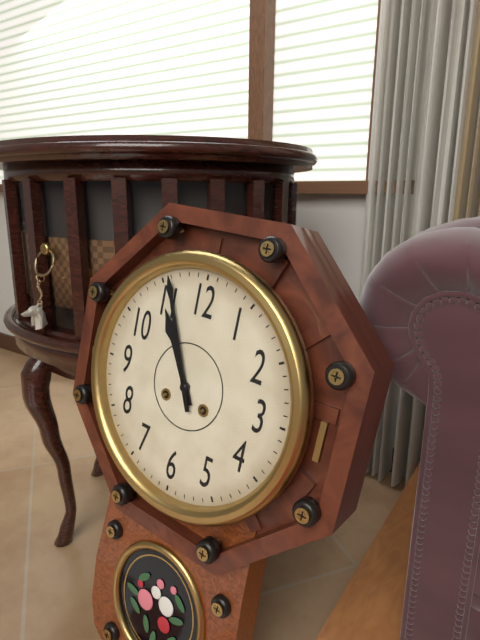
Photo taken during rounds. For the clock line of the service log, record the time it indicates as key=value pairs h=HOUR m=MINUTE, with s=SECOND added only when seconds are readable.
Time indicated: h=10 m=56
